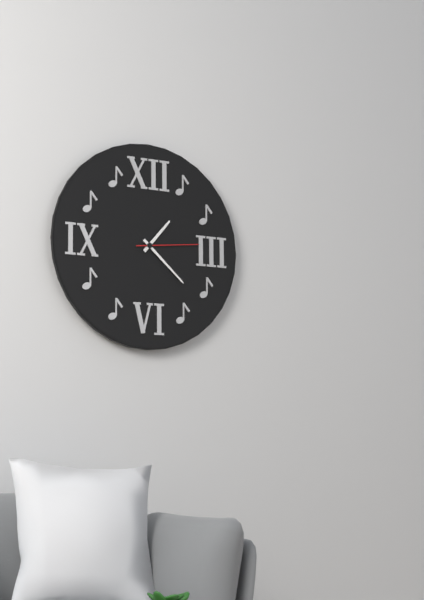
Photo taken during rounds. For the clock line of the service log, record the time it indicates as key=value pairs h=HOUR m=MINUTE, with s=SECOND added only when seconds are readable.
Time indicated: h=1 m=22 s=14
